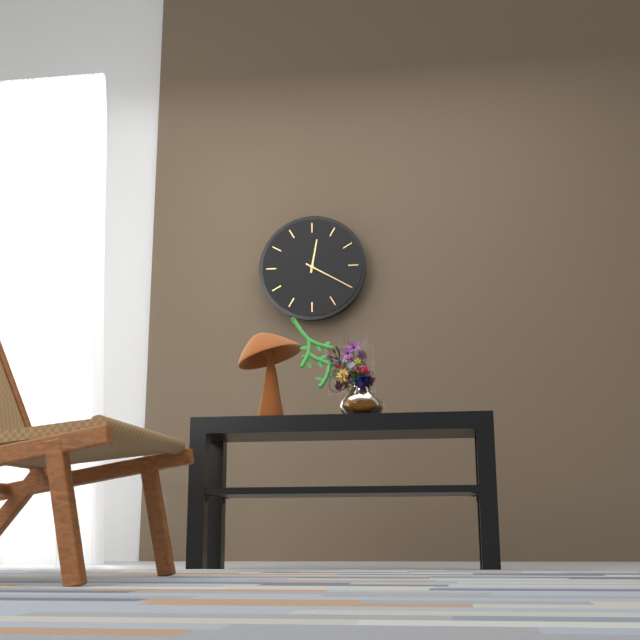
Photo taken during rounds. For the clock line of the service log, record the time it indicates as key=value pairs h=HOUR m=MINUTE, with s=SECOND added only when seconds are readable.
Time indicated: h=12 m=20
